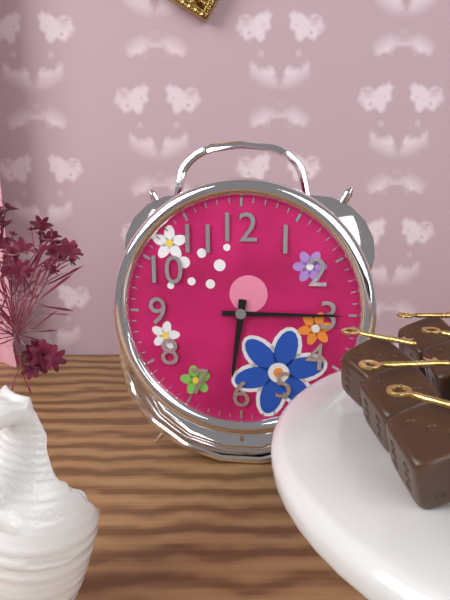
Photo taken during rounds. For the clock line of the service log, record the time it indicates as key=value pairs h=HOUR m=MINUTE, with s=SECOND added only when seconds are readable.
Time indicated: h=6 m=15
